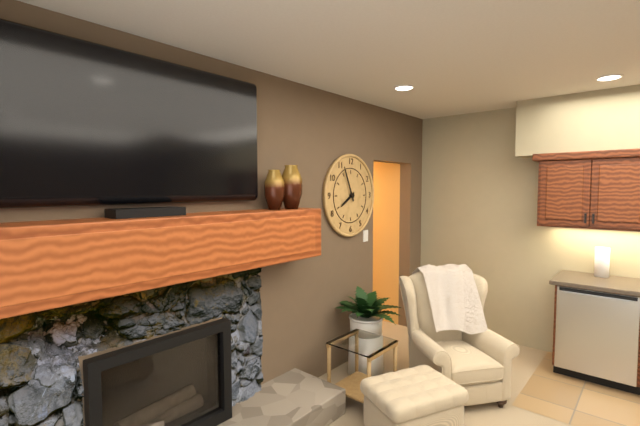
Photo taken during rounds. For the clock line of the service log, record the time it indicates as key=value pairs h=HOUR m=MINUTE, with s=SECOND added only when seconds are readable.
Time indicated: h=7 m=56
